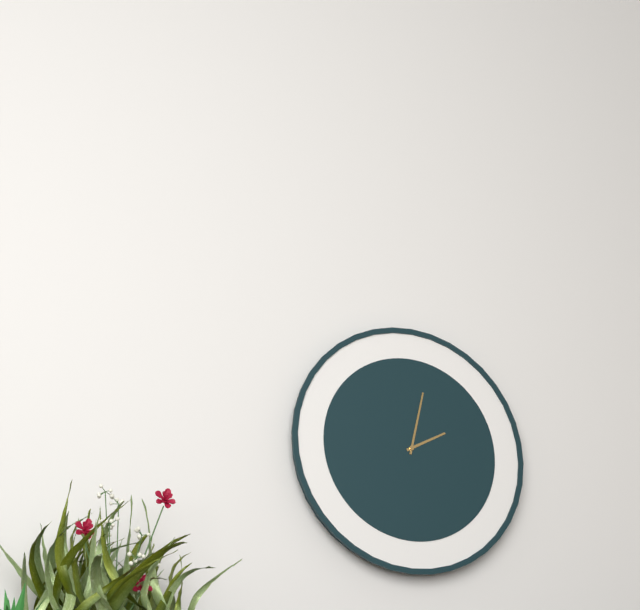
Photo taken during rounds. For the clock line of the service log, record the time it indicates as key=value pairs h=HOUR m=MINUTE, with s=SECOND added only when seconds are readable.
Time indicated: h=2 m=2
